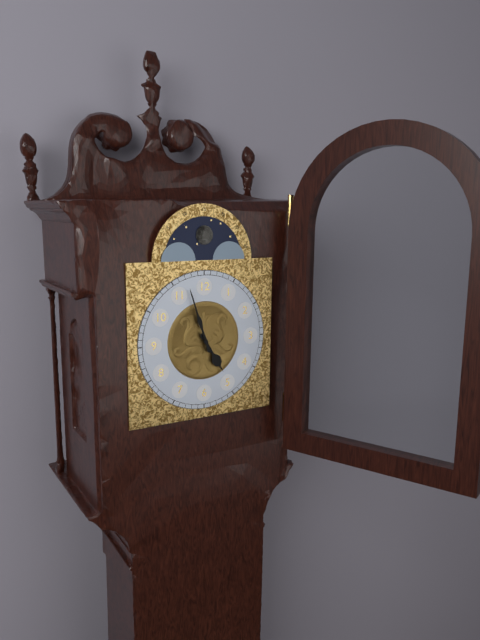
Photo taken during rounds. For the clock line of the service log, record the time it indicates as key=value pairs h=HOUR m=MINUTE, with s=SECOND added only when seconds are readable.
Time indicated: h=4 m=57
